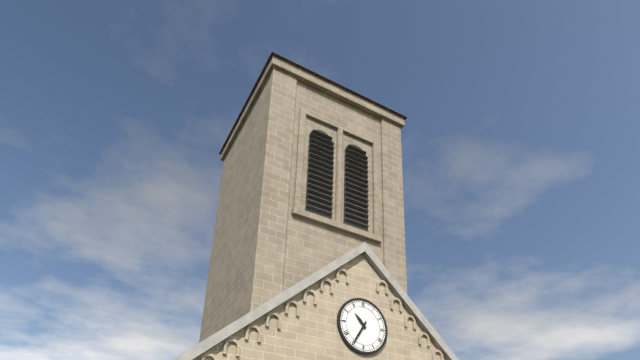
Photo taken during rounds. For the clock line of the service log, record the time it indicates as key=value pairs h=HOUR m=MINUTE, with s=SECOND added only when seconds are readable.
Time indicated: h=10 m=35
